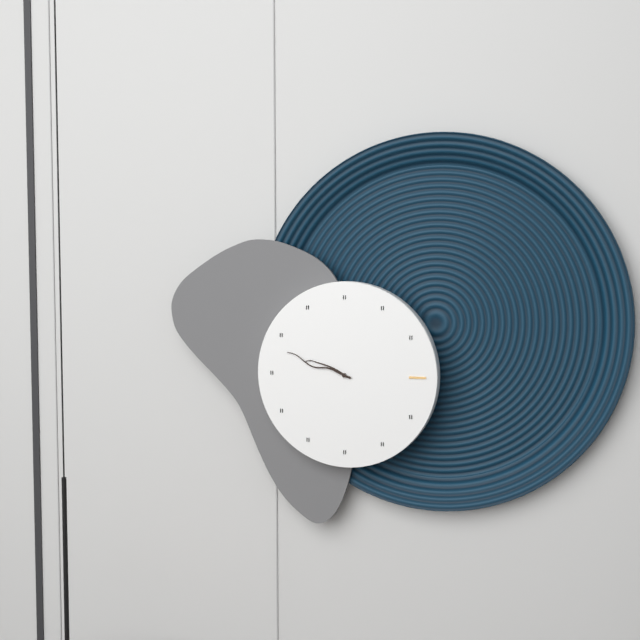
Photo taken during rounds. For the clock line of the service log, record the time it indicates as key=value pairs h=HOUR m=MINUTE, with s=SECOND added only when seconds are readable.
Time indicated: h=9 m=48
